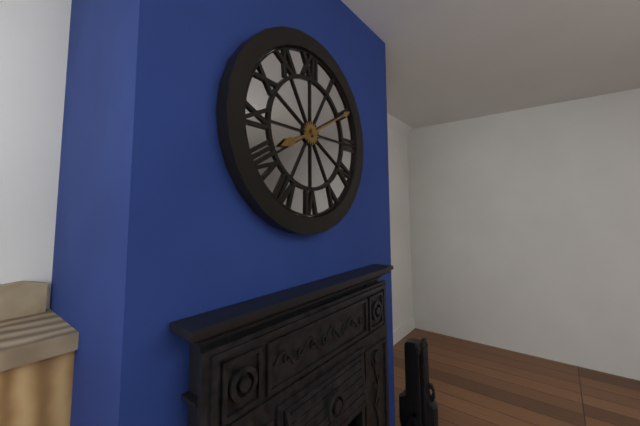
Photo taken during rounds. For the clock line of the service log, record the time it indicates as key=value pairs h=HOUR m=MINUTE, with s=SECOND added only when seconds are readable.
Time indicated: h=8 m=10
